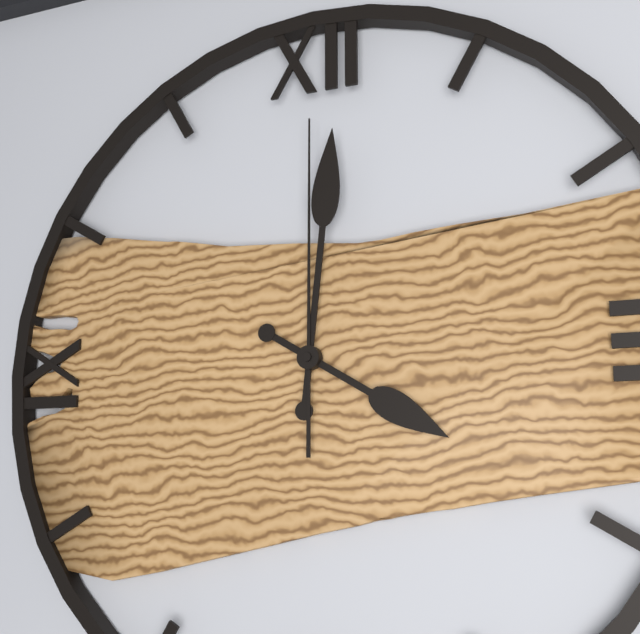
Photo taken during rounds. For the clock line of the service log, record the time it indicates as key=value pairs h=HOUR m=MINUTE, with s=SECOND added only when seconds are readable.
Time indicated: h=4 m=1 s=0
